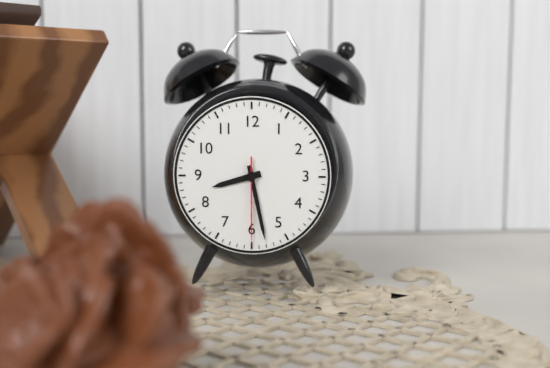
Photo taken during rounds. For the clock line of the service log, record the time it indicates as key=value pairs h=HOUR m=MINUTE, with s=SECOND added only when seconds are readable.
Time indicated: h=8 m=28 s=30
